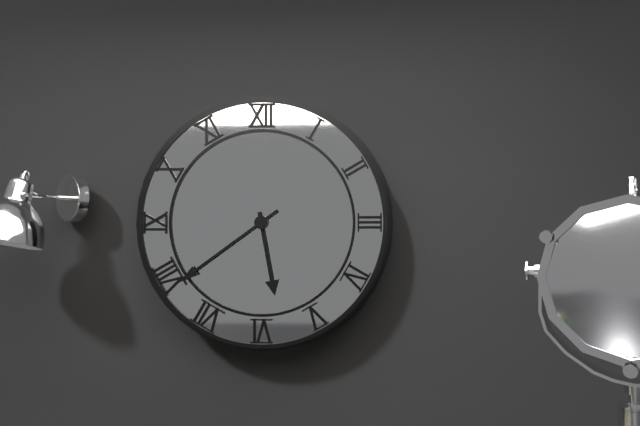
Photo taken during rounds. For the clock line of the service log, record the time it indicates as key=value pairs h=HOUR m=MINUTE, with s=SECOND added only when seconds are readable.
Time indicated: h=5 m=39
